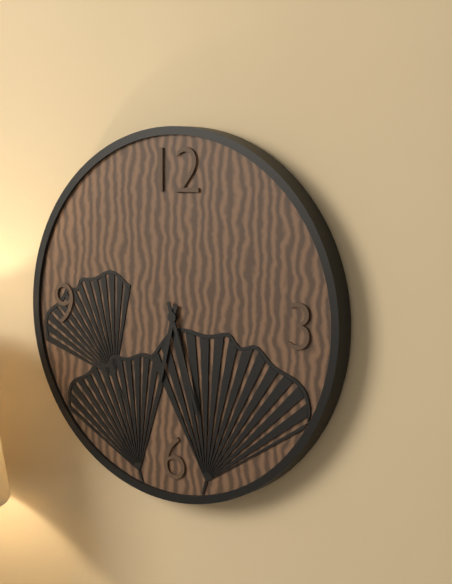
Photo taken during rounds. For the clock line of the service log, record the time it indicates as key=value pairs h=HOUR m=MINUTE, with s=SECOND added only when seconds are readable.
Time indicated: h=6 m=27
